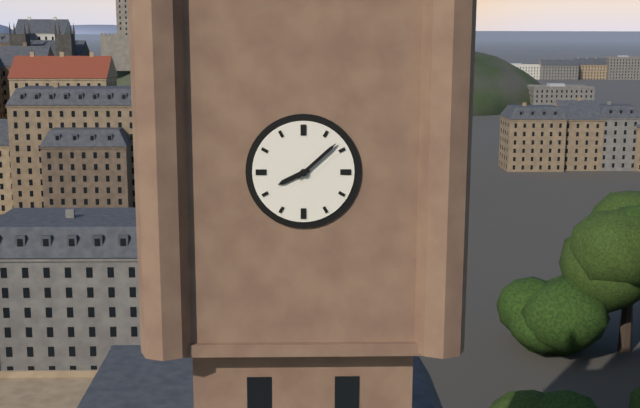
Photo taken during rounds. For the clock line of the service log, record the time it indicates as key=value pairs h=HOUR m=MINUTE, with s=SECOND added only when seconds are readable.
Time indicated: h=8 m=8
